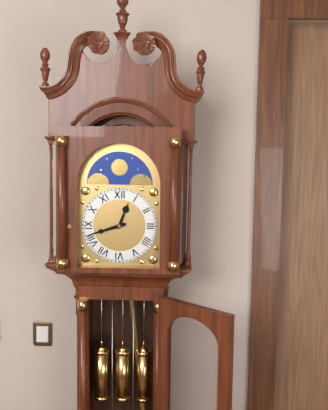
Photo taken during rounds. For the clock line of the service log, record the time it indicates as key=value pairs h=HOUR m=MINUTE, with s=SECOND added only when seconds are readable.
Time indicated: h=12 m=42
